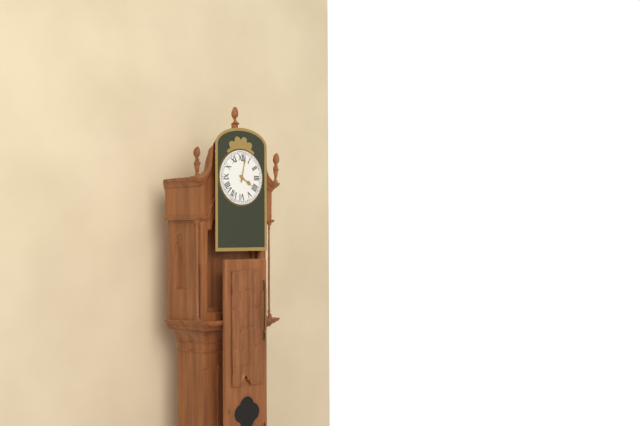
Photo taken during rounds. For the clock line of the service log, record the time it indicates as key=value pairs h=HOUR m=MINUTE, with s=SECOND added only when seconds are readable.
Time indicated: h=4 m=2
